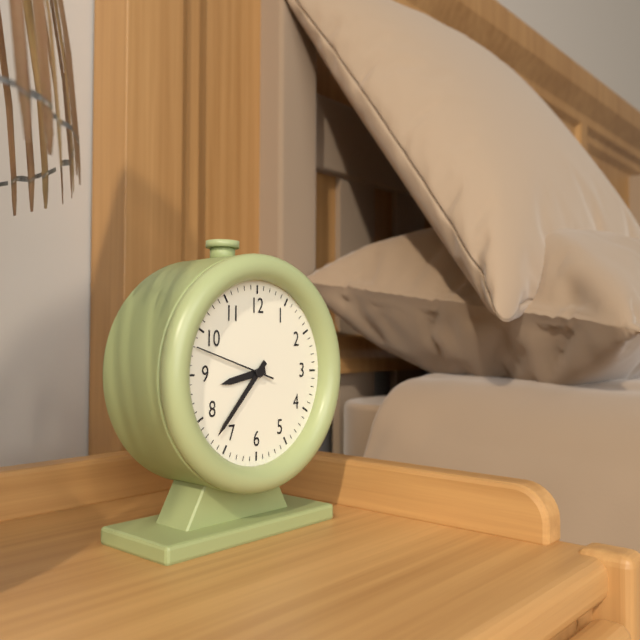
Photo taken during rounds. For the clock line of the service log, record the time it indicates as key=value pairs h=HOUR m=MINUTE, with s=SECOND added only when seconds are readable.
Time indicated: h=8 m=37 s=48
